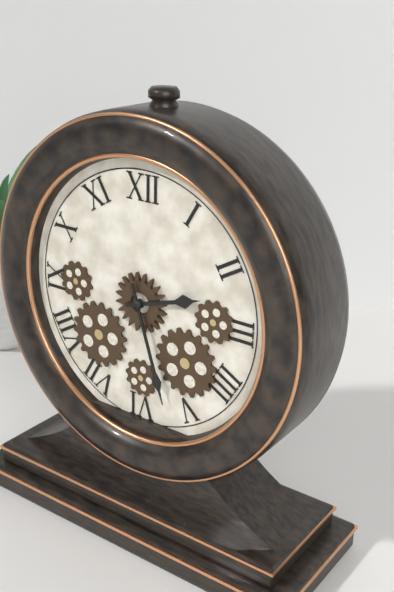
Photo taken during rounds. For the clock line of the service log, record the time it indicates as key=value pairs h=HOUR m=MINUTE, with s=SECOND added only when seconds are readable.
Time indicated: h=2 m=27
